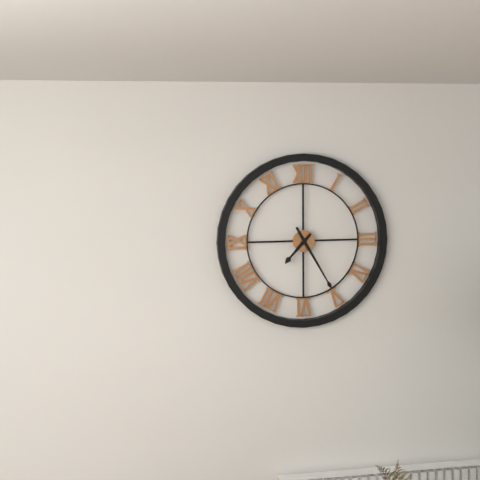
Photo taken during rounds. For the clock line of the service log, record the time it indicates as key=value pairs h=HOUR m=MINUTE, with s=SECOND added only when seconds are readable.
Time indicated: h=7 m=25
